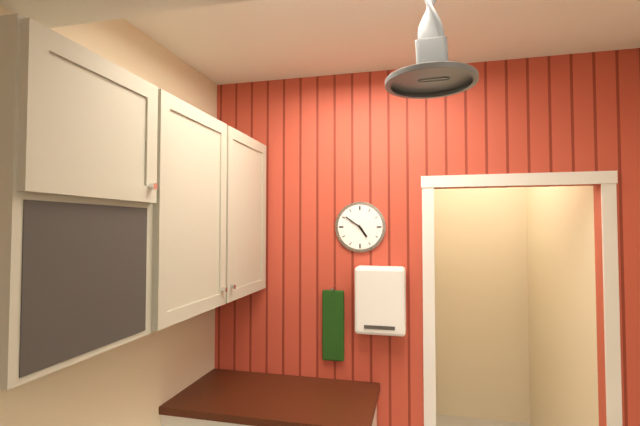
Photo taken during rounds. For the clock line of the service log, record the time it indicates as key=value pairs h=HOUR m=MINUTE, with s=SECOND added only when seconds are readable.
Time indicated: h=4 m=51
